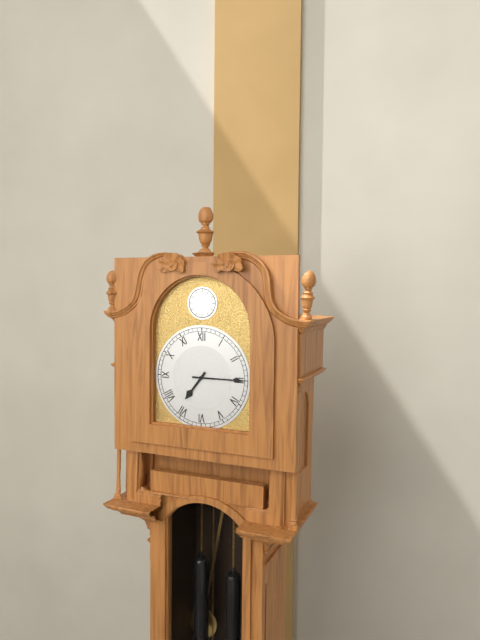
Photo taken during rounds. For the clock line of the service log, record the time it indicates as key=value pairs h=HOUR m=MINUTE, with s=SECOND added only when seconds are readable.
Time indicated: h=7 m=15
